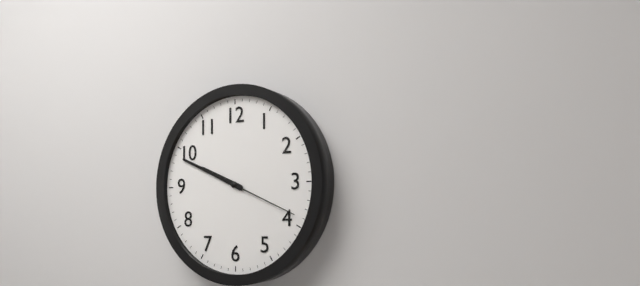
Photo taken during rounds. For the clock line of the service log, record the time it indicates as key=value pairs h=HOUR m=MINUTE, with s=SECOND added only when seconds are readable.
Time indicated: h=9 m=49 s=19
